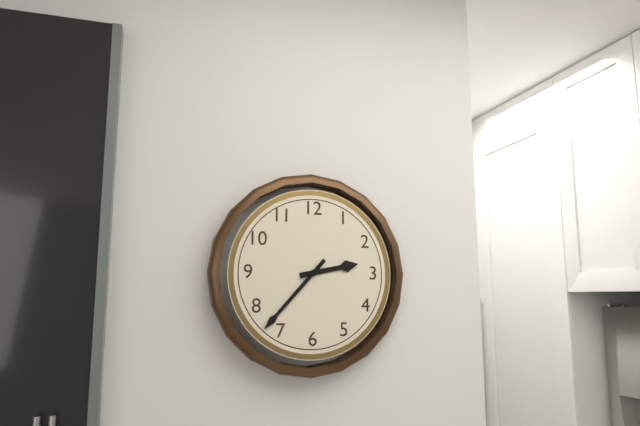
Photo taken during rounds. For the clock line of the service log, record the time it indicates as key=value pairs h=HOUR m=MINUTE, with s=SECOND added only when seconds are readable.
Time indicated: h=2 m=37
